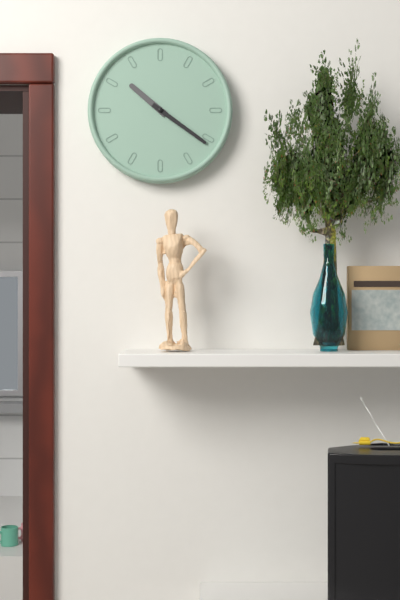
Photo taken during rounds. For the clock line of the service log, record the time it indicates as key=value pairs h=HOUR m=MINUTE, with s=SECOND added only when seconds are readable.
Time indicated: h=10 m=21
